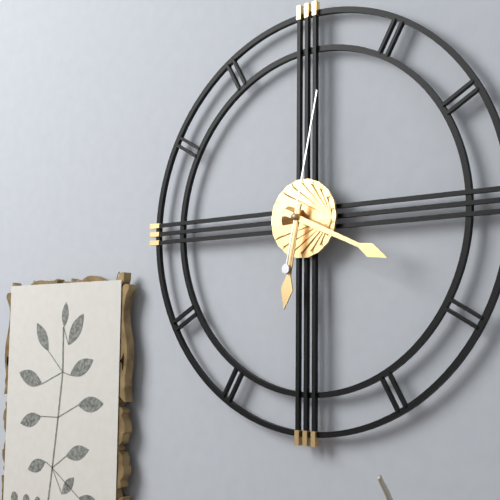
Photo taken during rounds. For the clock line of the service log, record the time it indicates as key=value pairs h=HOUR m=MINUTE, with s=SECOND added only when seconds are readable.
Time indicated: h=6 m=19 s=2
